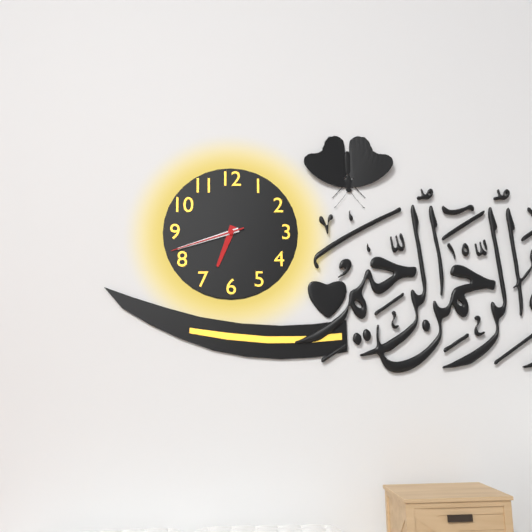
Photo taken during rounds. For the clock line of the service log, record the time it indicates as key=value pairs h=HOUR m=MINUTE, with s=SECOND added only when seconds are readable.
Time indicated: h=6 m=42 s=42
